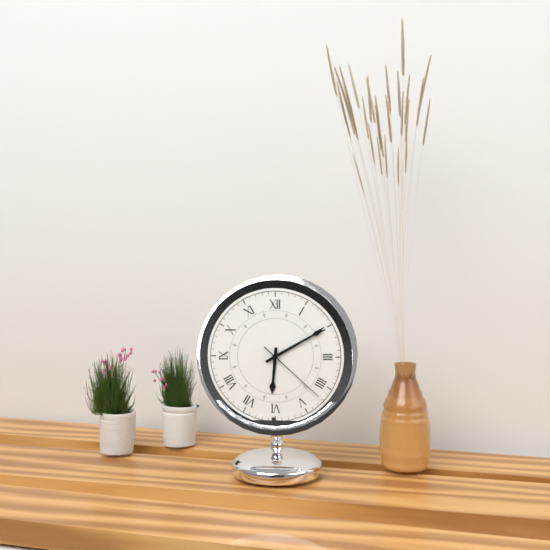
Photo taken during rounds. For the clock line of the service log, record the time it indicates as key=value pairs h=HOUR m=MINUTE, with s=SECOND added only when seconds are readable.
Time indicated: h=6 m=10 s=22
